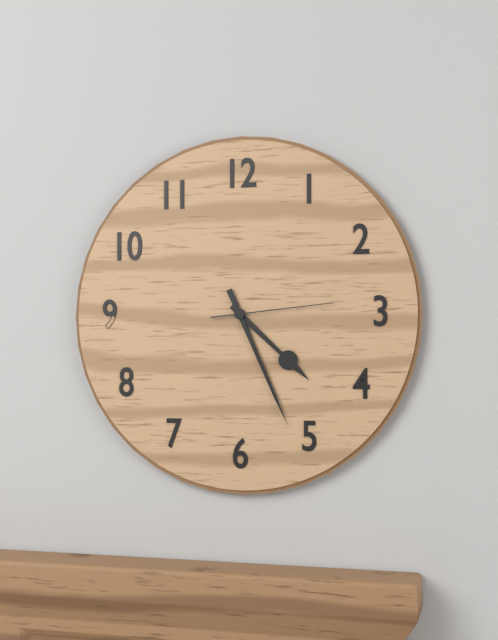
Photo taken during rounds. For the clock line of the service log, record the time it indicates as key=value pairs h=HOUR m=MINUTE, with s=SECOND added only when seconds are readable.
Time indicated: h=4 m=26 s=14
